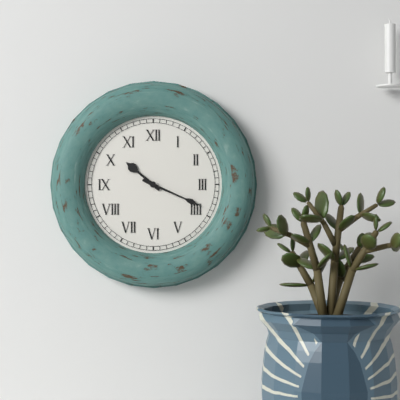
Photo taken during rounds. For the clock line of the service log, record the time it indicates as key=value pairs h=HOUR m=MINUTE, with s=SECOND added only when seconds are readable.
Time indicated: h=10 m=19
